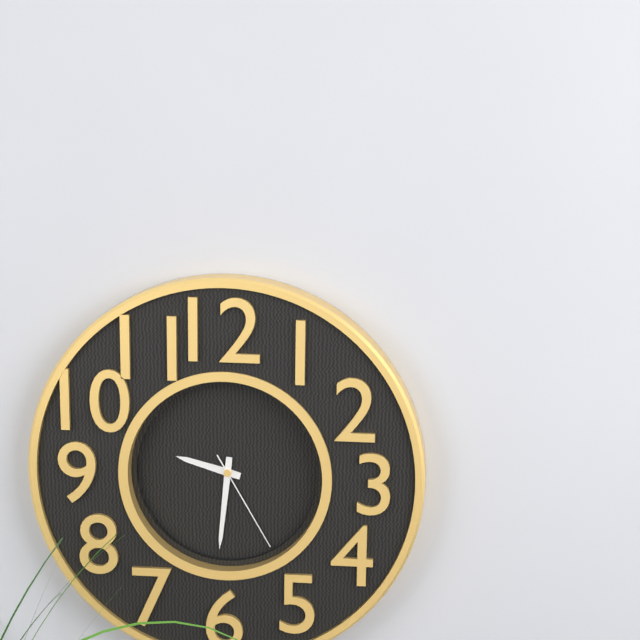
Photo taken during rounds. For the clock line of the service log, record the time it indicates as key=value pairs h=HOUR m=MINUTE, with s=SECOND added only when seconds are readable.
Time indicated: h=9 m=31 s=25
